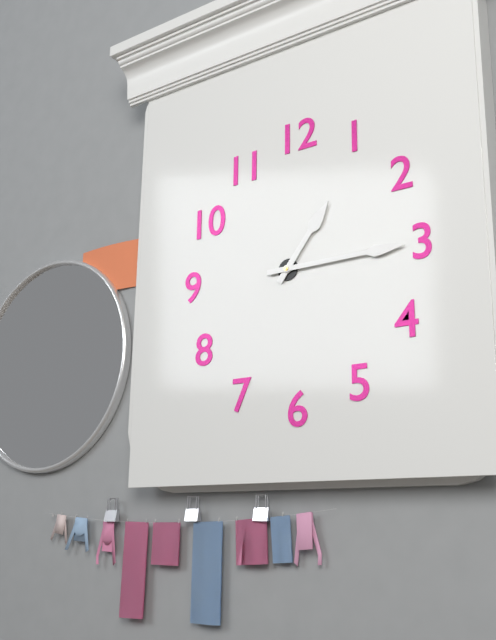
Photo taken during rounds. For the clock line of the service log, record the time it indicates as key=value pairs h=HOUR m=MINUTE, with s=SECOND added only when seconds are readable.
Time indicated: h=1 m=15
